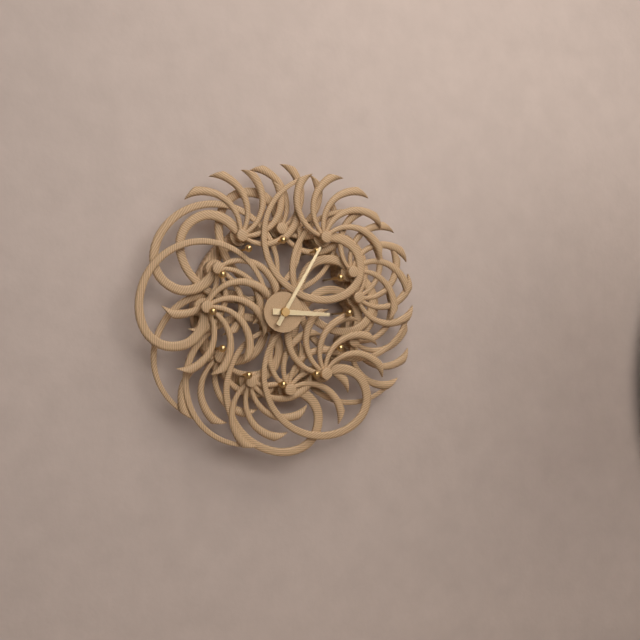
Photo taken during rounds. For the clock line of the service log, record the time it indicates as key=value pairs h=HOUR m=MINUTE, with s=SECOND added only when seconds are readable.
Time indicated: h=3 m=5
